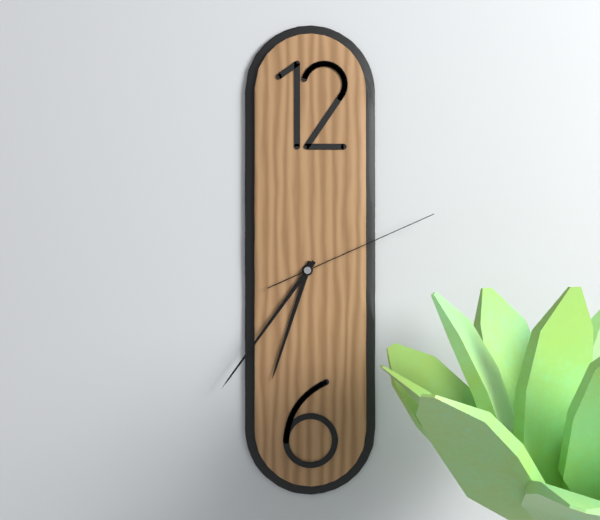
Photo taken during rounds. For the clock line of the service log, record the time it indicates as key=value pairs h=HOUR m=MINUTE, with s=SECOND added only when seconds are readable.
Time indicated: h=6 m=36 s=11
